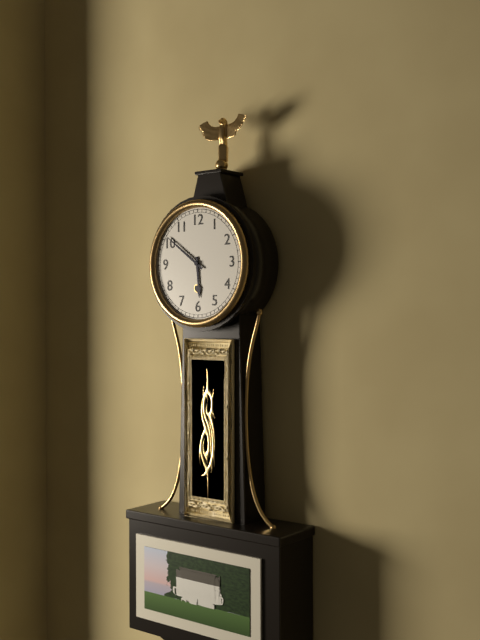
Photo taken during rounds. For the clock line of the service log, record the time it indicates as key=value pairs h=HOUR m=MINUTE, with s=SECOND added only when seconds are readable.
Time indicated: h=5 m=51
